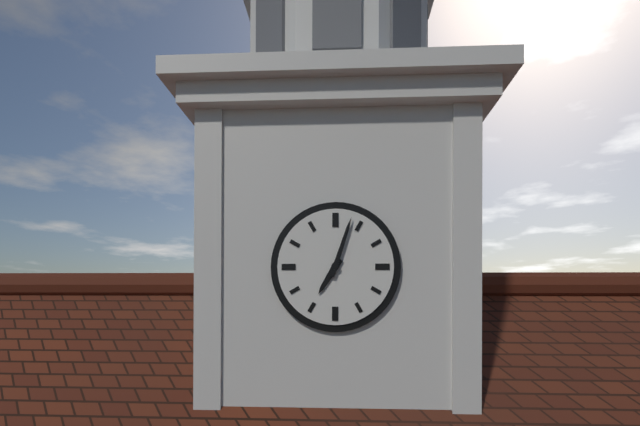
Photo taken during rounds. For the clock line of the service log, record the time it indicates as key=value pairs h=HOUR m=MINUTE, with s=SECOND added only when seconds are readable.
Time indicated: h=7 m=3
